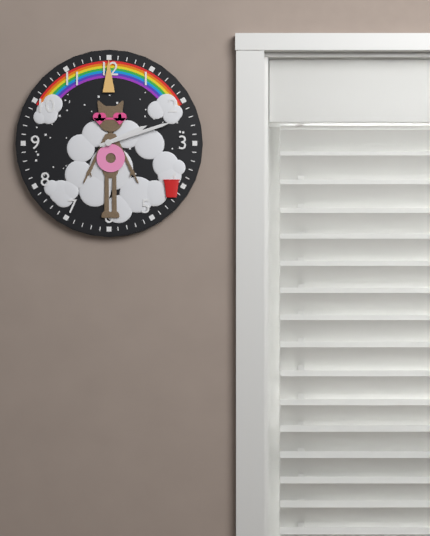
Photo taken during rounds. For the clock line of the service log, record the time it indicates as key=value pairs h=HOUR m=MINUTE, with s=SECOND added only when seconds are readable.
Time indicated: h=2 m=12
